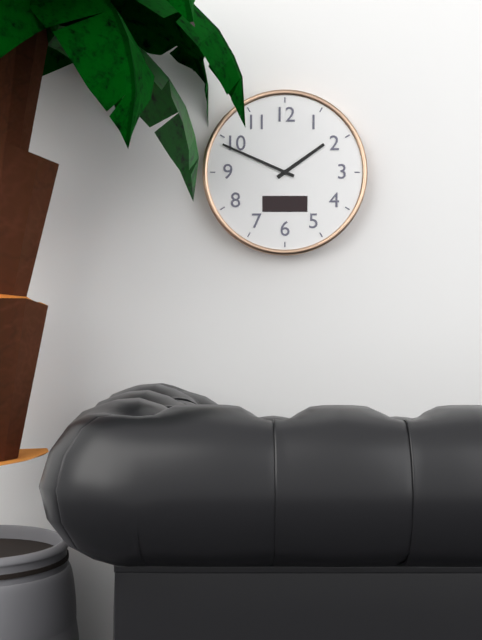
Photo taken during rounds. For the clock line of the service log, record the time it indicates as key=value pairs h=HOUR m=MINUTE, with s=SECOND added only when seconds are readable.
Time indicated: h=1 m=49
